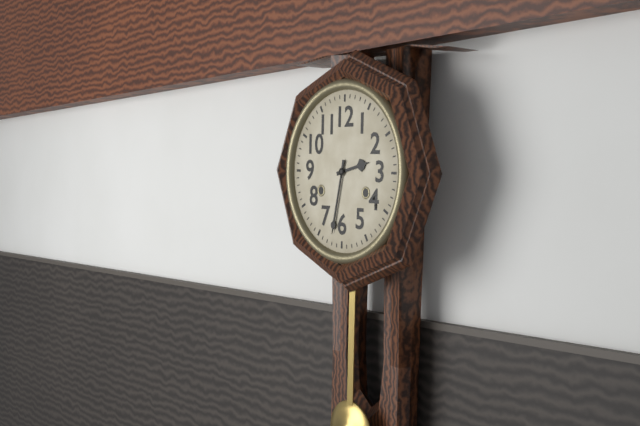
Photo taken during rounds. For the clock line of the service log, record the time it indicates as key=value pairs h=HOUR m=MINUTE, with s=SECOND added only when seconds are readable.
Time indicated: h=2 m=32
